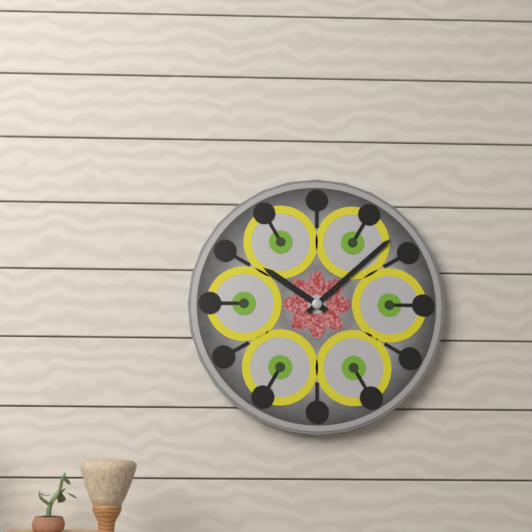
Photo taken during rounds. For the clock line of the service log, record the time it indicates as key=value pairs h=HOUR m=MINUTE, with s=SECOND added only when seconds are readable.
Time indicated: h=10 m=8
